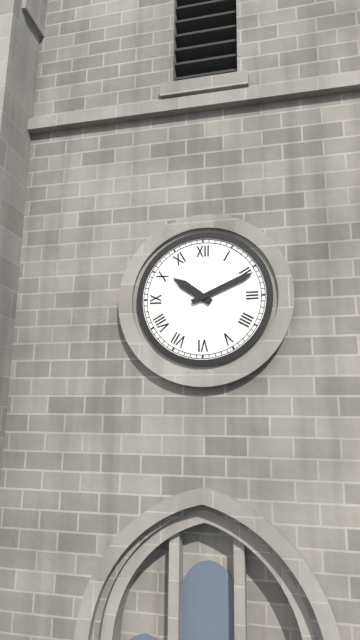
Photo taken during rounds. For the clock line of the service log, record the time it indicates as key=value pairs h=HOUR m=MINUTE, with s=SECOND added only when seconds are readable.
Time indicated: h=10 m=11
